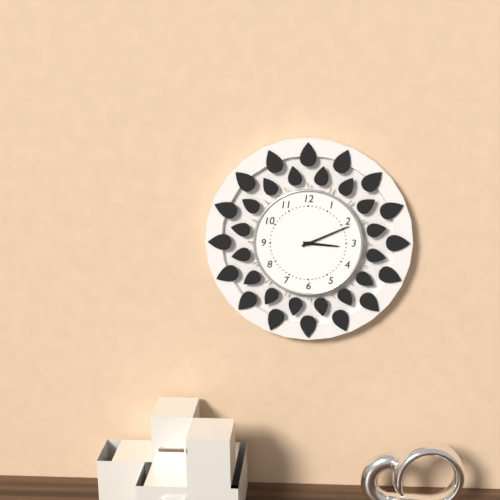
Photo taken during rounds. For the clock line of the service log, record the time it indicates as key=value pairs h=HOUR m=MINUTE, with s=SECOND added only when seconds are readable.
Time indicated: h=3 m=11
